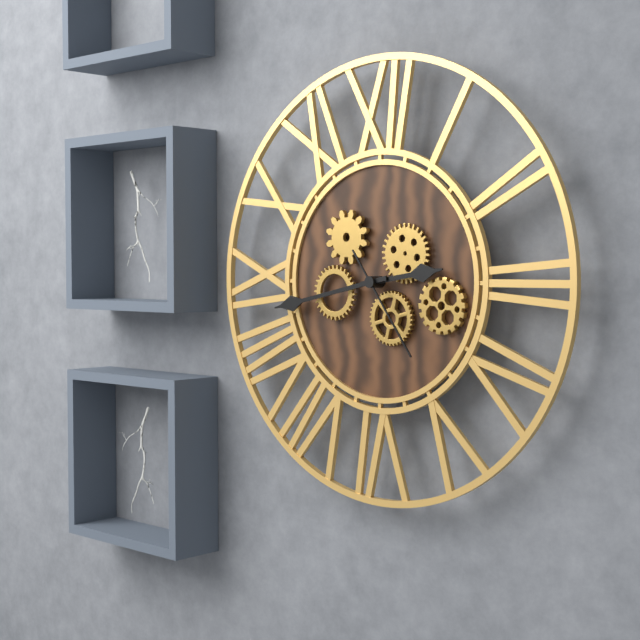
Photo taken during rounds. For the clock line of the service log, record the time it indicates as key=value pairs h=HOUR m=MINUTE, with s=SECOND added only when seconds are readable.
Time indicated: h=2 m=43 s=24
